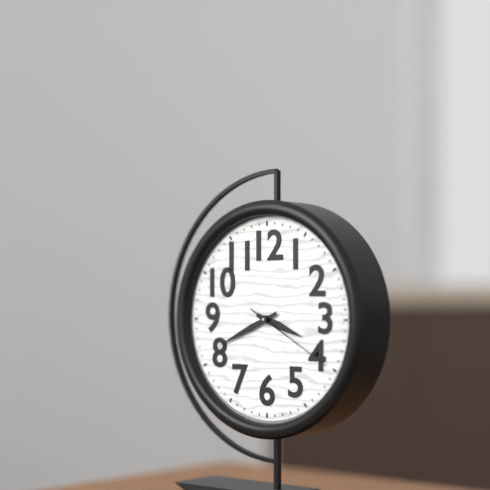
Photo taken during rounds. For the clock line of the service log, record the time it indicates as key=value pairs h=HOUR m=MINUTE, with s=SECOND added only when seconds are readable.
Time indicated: h=3 m=41 s=20
